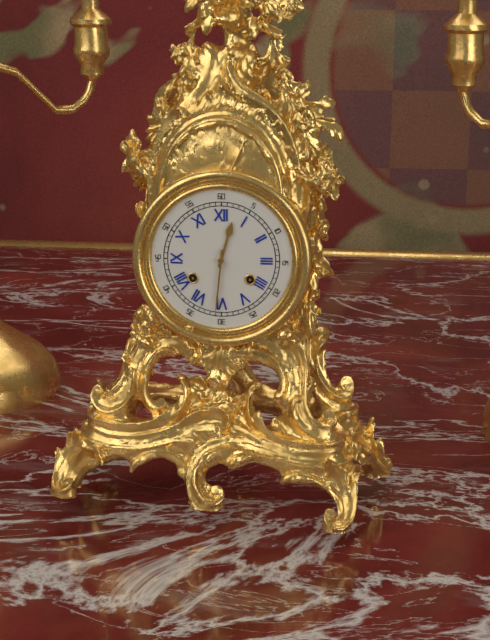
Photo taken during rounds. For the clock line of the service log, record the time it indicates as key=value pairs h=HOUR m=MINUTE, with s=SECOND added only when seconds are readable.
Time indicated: h=12 m=31
